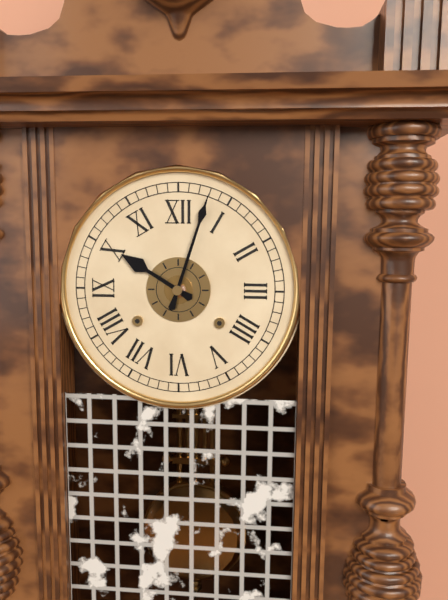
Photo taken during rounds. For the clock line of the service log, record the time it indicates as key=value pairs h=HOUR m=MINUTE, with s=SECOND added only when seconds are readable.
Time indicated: h=10 m=3
